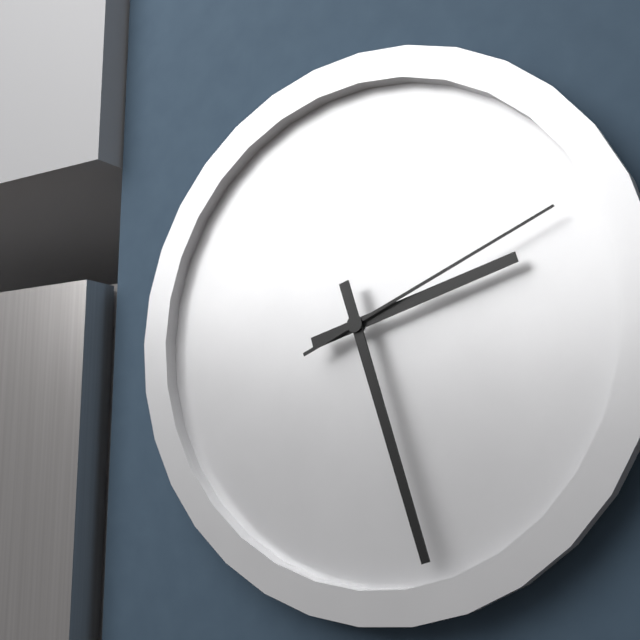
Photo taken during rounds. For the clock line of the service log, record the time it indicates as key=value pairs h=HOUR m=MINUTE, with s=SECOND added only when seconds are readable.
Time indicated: h=2 m=27 s=11
